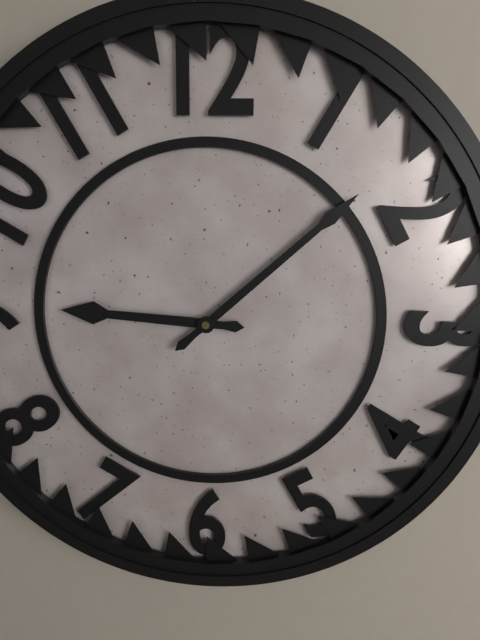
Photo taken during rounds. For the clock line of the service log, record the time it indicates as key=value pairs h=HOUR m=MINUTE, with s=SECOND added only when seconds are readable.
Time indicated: h=9 m=8
